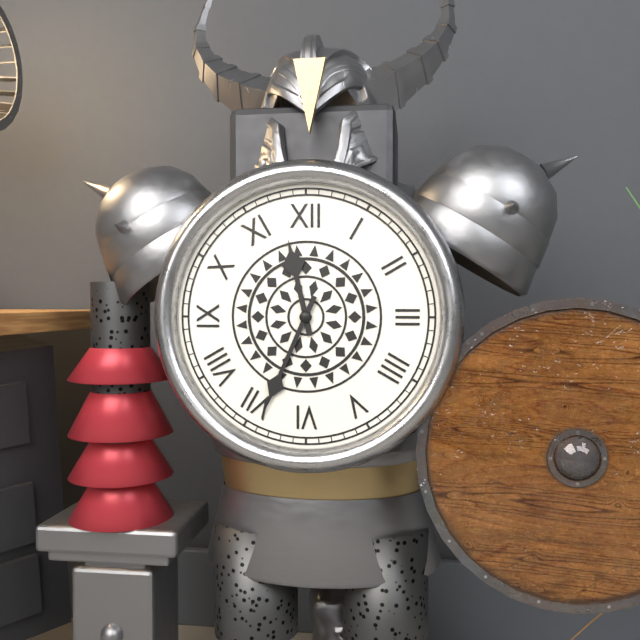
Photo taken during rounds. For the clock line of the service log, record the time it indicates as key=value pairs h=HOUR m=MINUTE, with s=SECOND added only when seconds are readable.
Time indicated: h=11 m=34
